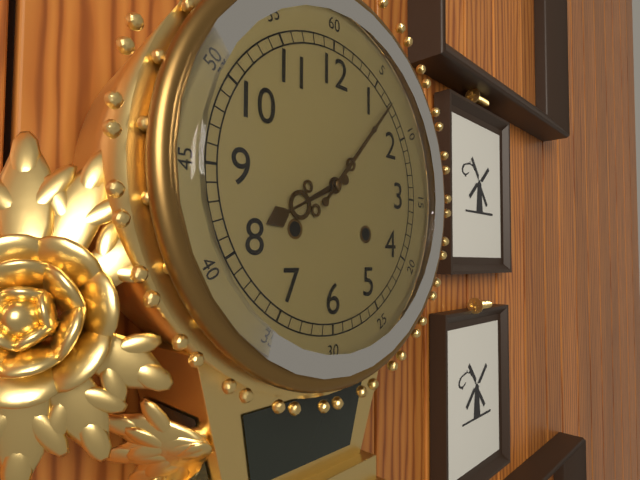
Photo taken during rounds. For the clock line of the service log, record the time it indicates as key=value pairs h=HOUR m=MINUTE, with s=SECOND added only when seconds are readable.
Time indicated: h=8 m=7
